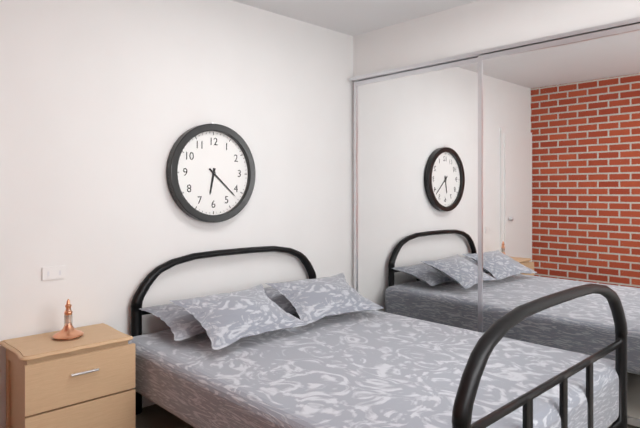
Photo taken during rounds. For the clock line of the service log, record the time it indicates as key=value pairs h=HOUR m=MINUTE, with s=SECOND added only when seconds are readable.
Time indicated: h=6 m=22
